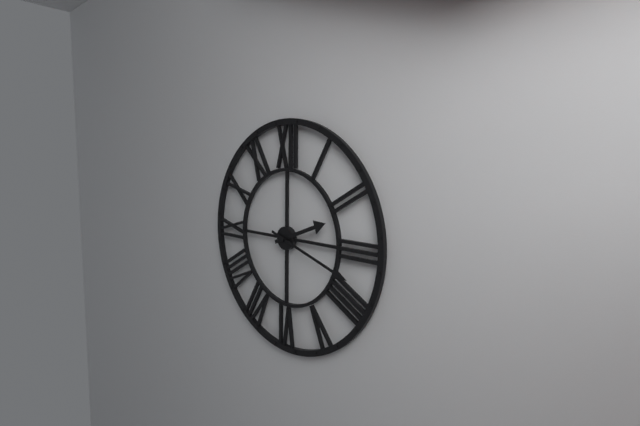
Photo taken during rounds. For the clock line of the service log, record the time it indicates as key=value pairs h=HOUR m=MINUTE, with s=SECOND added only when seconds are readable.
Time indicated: h=2 m=18
